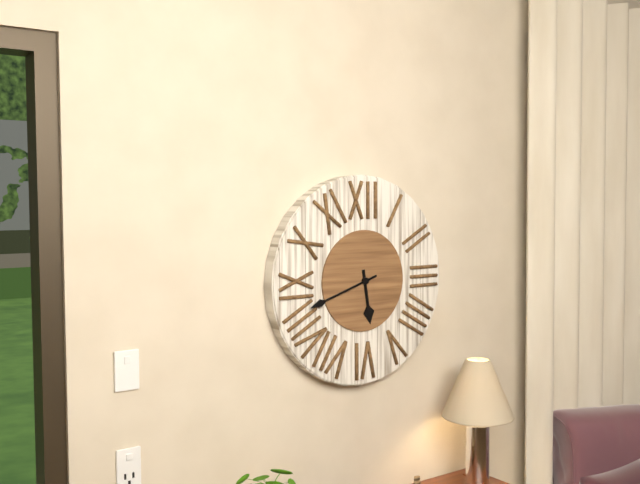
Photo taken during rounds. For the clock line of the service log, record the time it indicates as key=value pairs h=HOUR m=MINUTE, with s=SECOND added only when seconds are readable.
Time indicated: h=5 m=42
